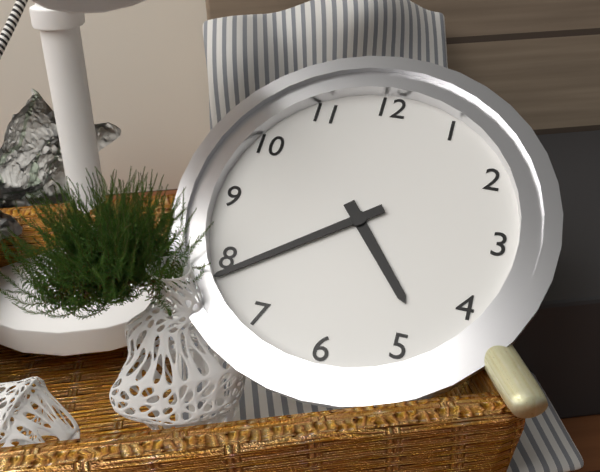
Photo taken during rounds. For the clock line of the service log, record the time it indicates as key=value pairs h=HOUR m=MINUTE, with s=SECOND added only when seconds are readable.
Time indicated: h=4 m=39
